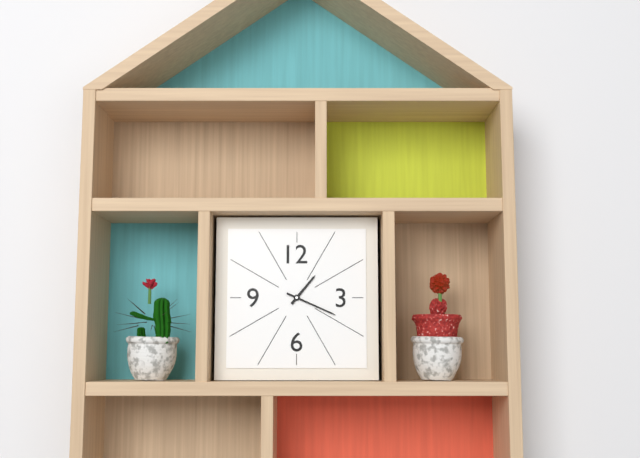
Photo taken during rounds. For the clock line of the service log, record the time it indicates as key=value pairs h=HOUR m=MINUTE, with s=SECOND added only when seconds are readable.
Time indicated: h=1 m=19
